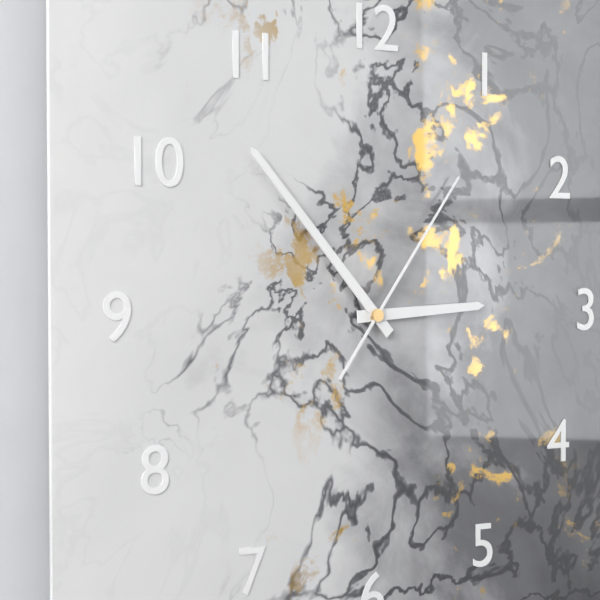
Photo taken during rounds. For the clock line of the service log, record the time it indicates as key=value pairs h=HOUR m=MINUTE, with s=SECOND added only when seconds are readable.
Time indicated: h=2 m=53 s=6
